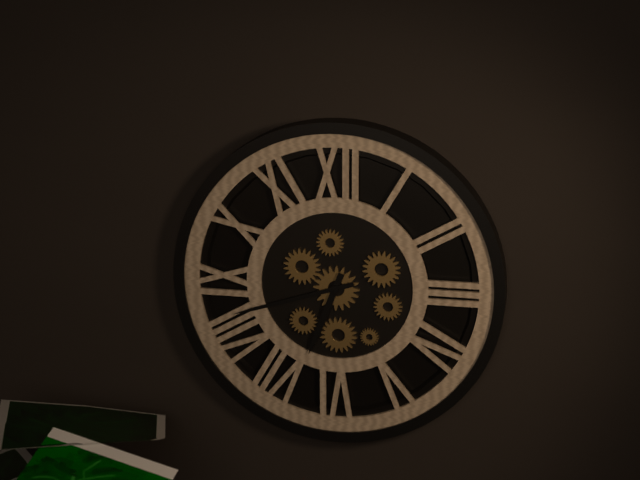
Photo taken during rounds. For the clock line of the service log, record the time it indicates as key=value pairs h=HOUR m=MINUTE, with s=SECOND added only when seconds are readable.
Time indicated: h=6 m=42
